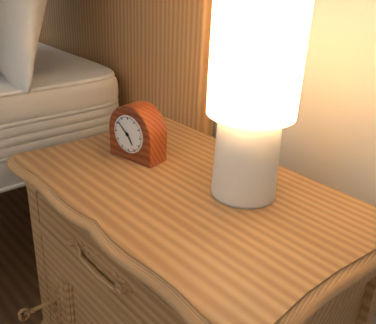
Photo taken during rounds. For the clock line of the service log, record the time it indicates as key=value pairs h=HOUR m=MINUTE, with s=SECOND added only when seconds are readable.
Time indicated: h=4 m=52
